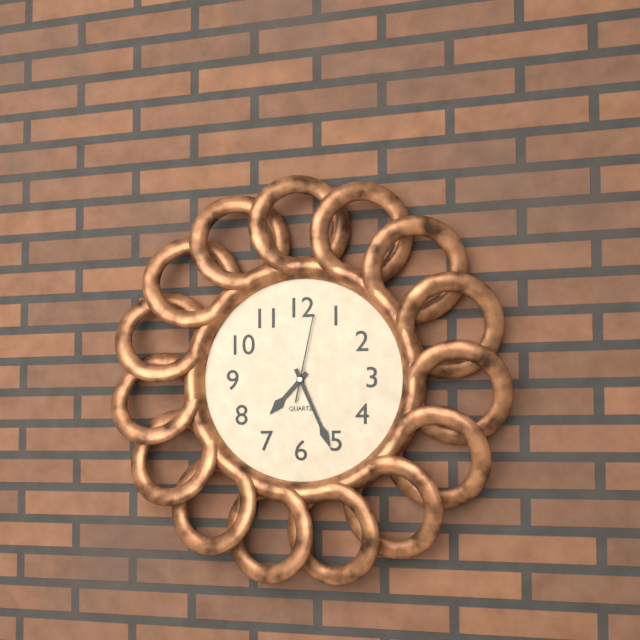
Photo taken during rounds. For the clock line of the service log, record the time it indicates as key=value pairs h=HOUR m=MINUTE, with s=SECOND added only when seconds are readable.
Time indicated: h=7 m=26 s=2
